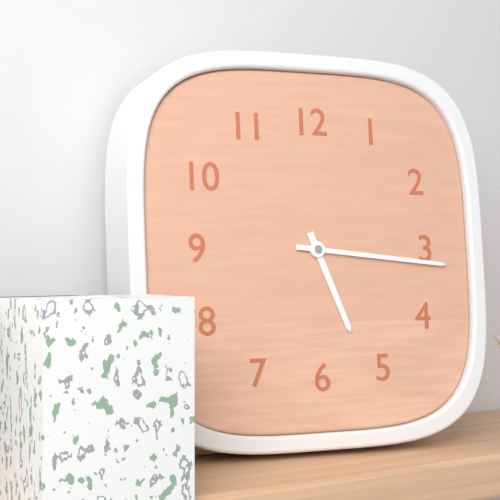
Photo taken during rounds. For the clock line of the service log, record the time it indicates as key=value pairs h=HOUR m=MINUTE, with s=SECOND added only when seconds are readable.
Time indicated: h=5 m=16
